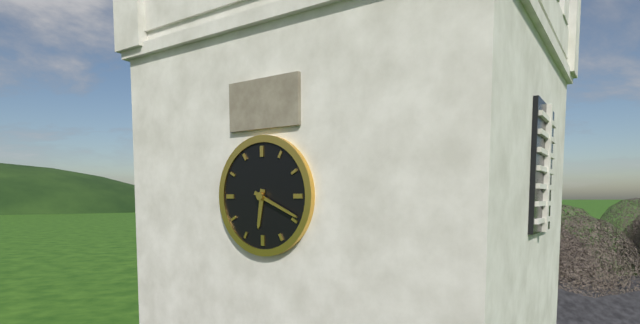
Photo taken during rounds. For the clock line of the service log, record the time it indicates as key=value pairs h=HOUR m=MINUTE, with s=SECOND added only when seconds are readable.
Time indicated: h=6 m=19
